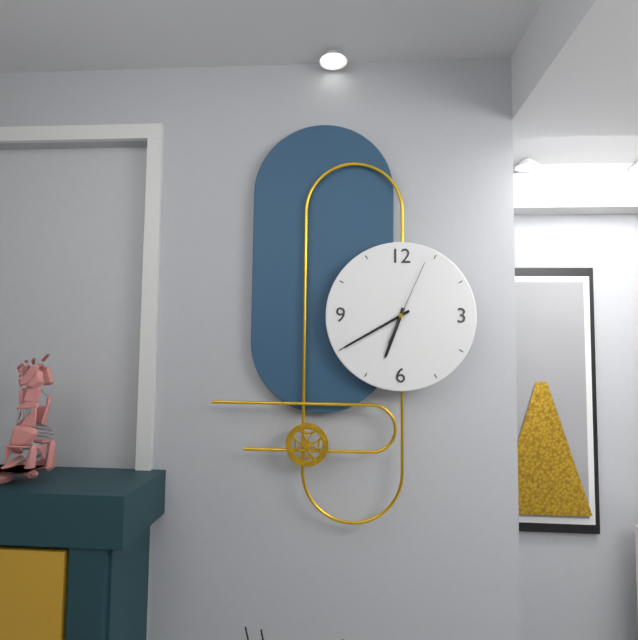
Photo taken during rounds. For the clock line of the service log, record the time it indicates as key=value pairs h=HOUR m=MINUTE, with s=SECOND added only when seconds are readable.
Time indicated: h=6 m=40 s=4
